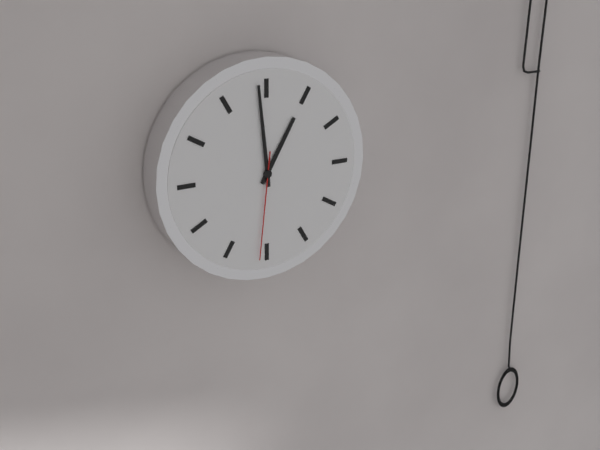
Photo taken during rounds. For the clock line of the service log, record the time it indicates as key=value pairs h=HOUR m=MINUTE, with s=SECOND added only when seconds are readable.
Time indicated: h=12 m=59 s=31
